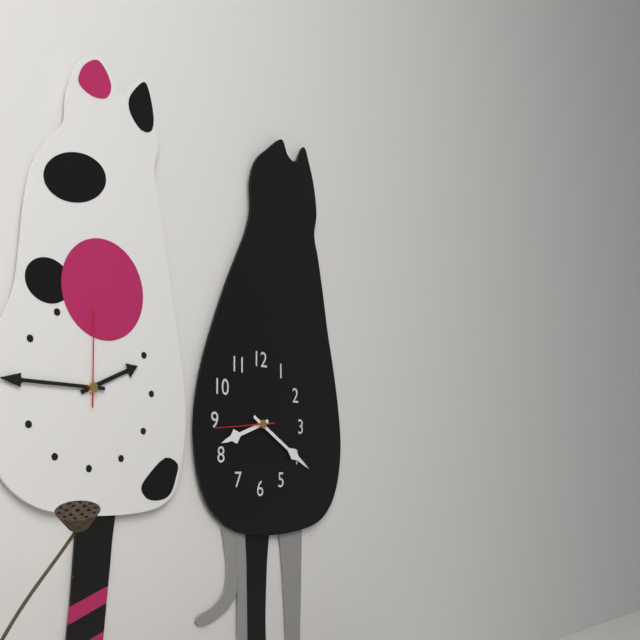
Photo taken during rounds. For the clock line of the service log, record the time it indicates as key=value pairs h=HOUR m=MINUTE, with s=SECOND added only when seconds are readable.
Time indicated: h=8 m=20 s=44
